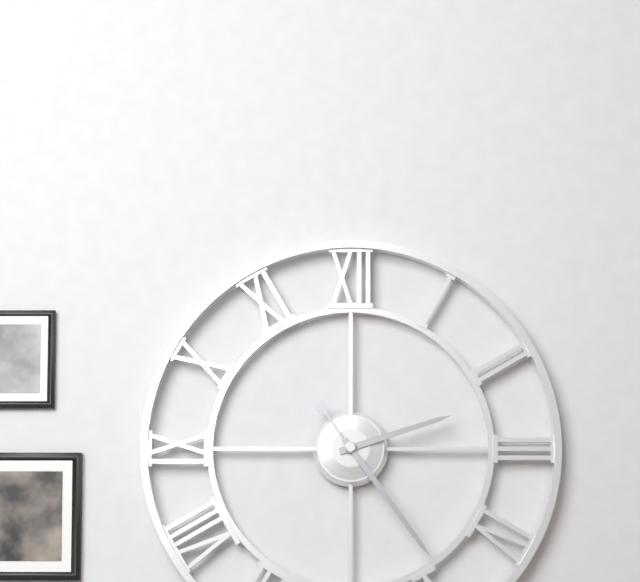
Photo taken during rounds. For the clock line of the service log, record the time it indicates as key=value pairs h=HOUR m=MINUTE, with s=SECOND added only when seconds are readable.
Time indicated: h=2 m=24
